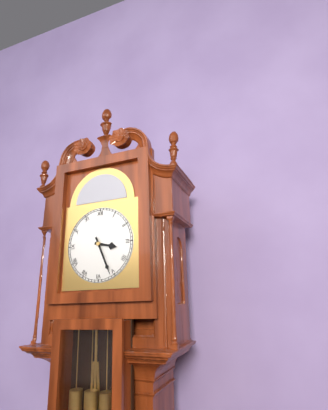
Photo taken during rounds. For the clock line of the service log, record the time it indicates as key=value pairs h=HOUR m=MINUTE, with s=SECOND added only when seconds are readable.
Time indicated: h=3 m=26
